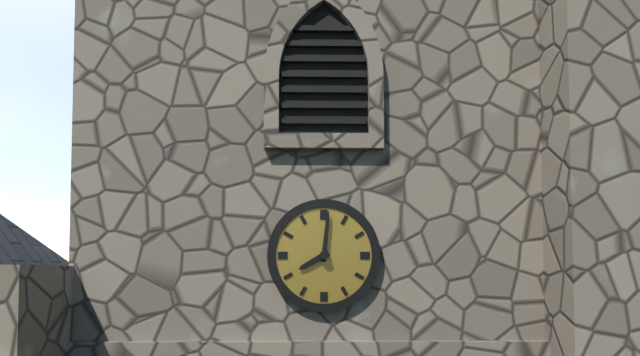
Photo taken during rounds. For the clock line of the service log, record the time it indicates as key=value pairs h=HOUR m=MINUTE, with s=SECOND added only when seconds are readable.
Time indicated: h=8 m=1
